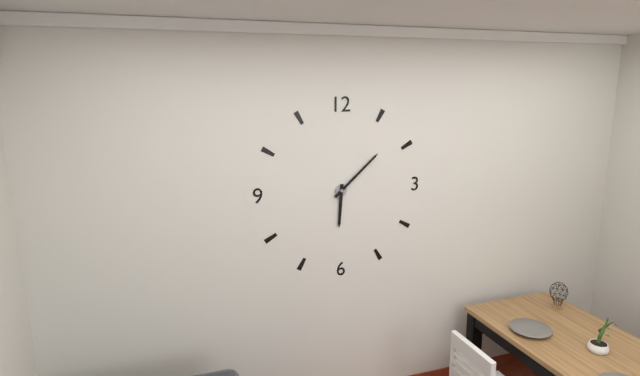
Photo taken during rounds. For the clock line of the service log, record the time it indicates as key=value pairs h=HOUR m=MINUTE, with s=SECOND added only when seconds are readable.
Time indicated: h=6 m=8
